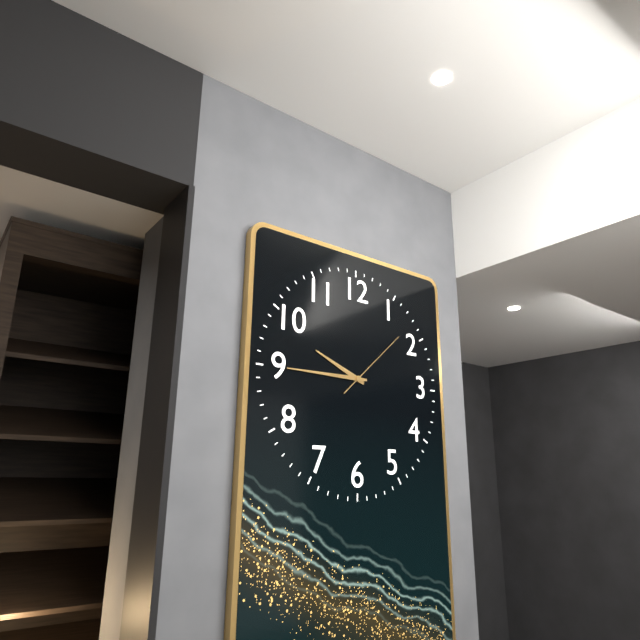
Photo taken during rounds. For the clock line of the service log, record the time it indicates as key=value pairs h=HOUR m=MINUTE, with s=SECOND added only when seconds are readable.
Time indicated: h=9 m=45 s=8
